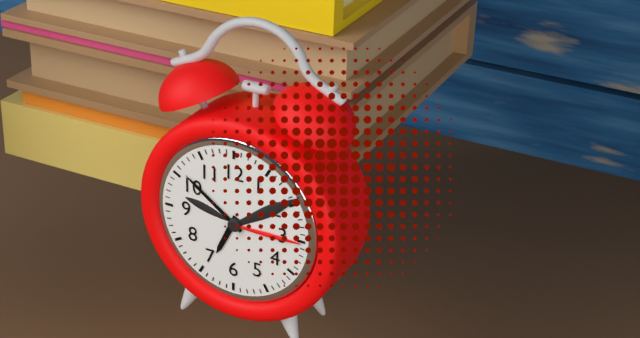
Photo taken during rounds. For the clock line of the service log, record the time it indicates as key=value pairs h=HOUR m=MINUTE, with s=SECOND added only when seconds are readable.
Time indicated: h=6 m=51
